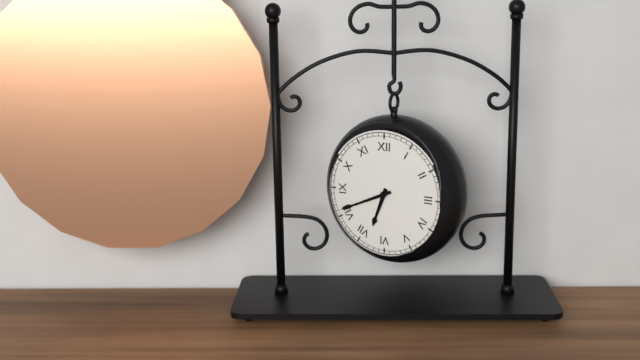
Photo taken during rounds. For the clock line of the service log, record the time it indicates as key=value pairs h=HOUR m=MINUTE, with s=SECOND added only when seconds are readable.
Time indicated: h=6 m=41
